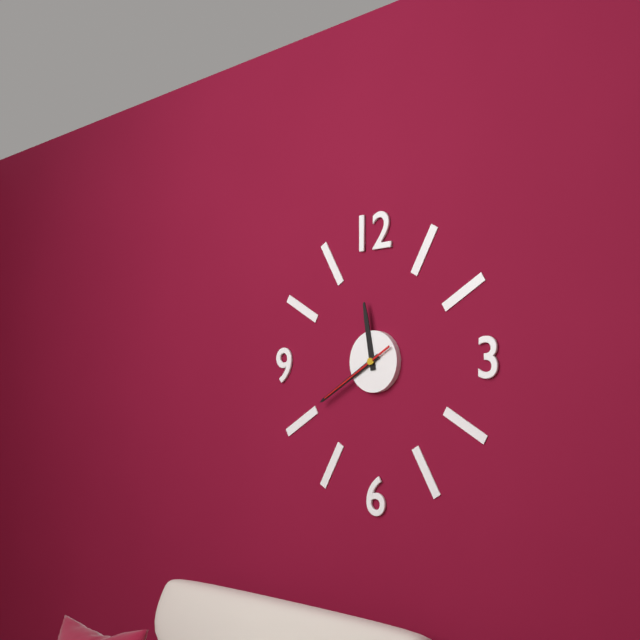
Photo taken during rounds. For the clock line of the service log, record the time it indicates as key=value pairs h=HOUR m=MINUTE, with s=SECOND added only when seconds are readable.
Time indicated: h=11 m=40 s=40
